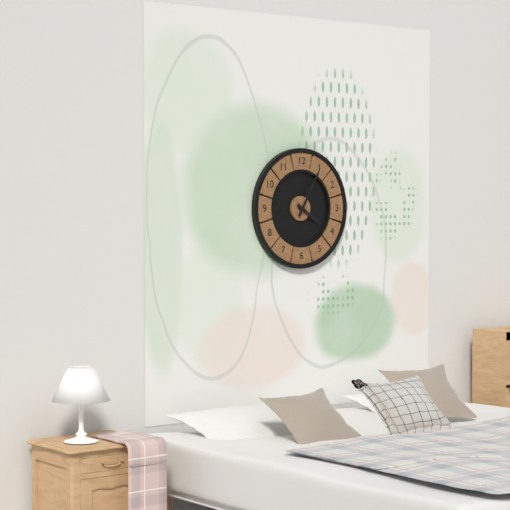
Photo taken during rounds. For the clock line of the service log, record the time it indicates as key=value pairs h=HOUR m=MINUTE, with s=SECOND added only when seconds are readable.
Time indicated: h=4 m=5
